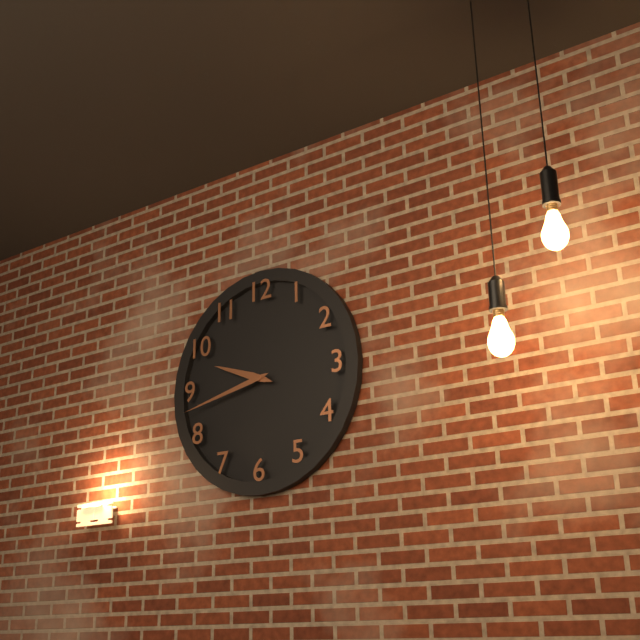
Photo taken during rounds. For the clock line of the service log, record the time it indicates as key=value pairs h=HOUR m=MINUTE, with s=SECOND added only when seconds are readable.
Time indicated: h=9 m=43
